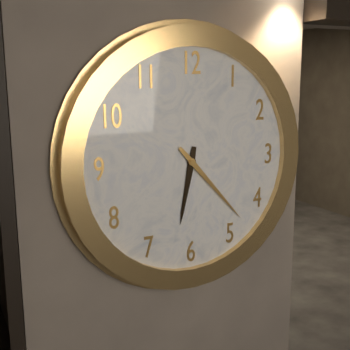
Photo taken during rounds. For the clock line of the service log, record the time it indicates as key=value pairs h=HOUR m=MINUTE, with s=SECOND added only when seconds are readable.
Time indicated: h=6 m=23
